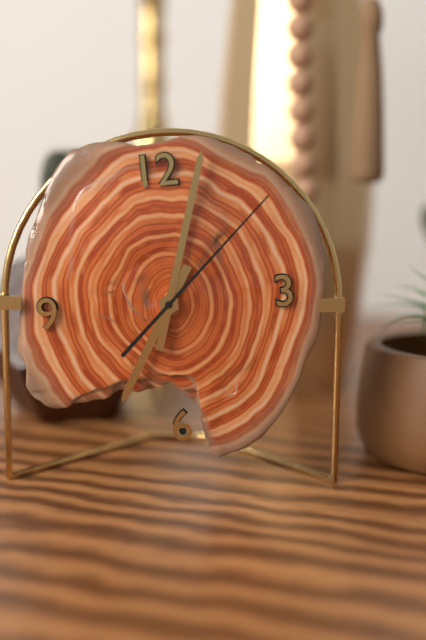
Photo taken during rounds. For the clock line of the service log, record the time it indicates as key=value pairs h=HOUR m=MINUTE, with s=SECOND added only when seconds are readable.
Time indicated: h=7 m=3 s=8
